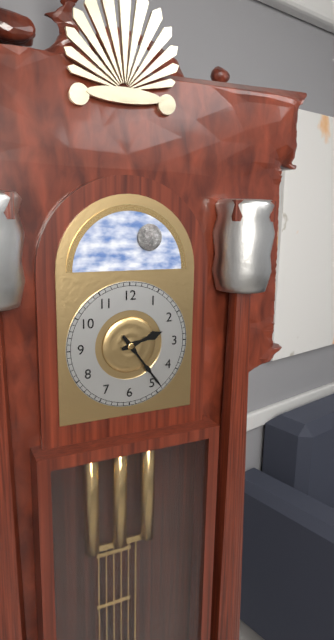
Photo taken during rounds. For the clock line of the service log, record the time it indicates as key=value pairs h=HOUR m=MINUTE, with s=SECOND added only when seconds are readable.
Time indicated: h=2 m=24
